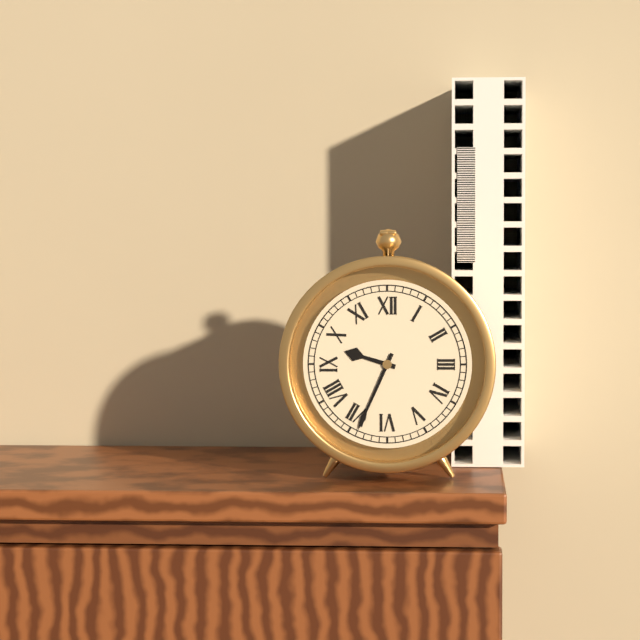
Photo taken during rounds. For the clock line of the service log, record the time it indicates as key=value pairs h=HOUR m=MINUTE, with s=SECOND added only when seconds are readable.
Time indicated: h=9 m=34
